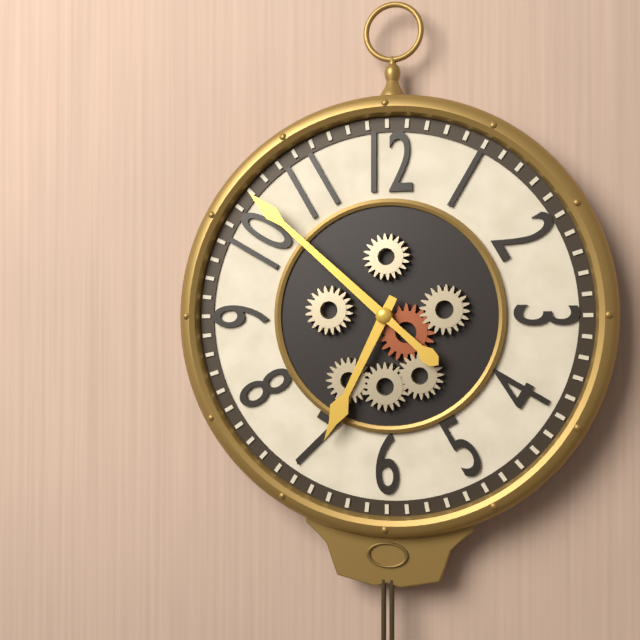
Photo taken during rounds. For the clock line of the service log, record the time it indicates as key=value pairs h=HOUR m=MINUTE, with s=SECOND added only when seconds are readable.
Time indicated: h=6 m=52
